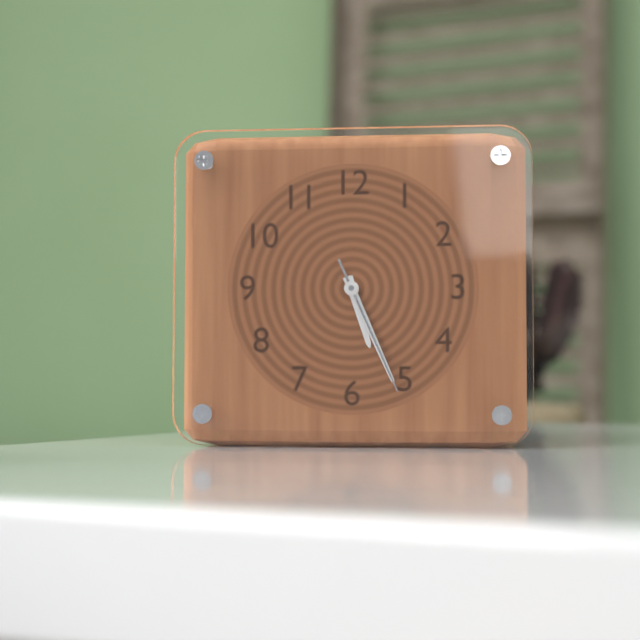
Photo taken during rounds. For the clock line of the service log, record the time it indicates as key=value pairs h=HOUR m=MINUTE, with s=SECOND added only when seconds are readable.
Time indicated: h=5 m=26 s=26
